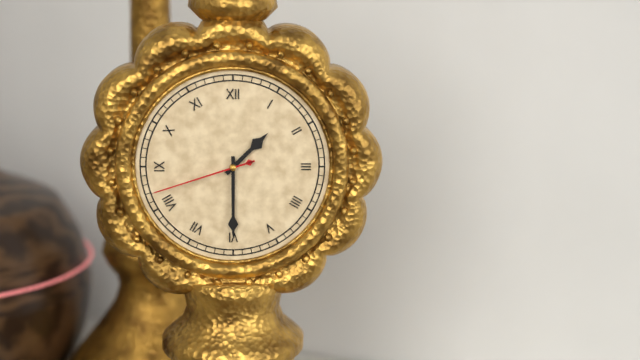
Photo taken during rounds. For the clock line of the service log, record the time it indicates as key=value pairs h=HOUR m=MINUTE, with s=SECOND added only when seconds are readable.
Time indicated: h=1 m=30 s=42
